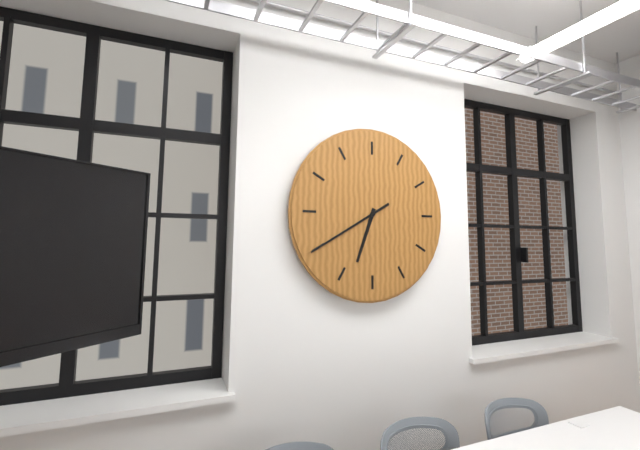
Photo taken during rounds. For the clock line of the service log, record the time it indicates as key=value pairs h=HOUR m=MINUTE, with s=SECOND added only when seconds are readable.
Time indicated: h=6 m=40
